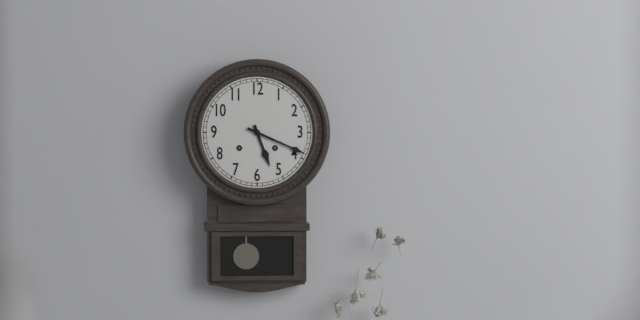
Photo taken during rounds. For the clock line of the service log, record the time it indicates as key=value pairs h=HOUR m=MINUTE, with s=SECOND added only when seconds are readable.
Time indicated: h=5 m=19
